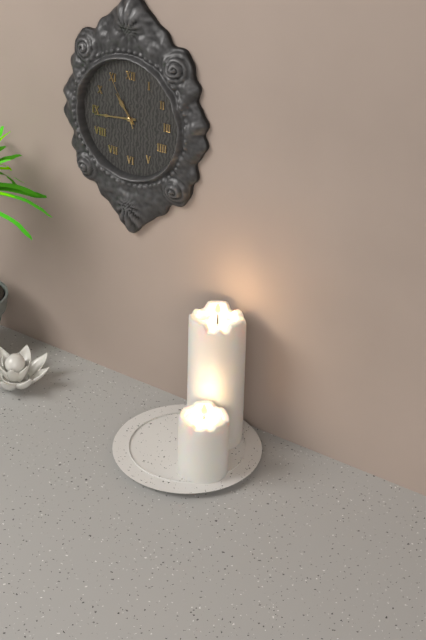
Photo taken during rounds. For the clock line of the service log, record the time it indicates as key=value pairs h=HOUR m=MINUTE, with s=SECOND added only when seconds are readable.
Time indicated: h=10 m=44 s=55
